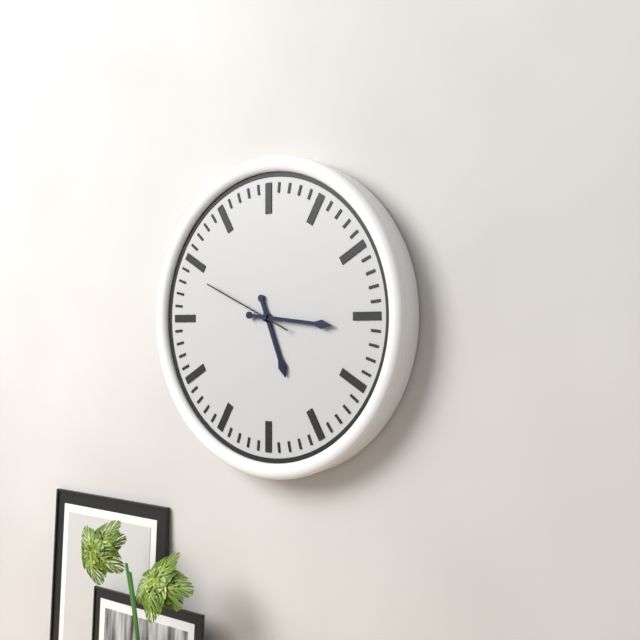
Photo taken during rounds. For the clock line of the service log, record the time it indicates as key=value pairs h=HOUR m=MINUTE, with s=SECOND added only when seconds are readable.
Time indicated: h=5 m=16 s=49
